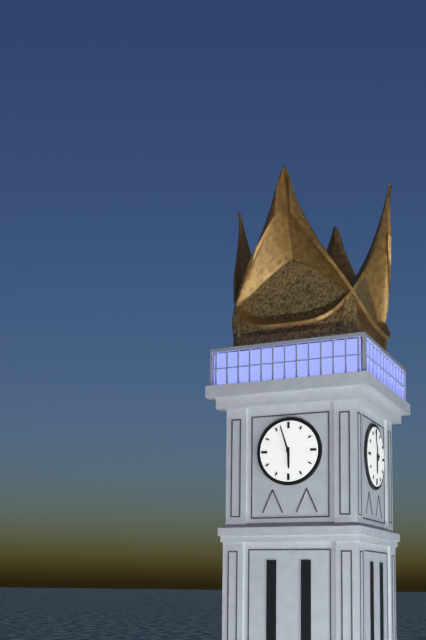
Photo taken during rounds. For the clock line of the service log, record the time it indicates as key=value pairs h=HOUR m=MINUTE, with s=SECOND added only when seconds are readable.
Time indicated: h=5 m=57
